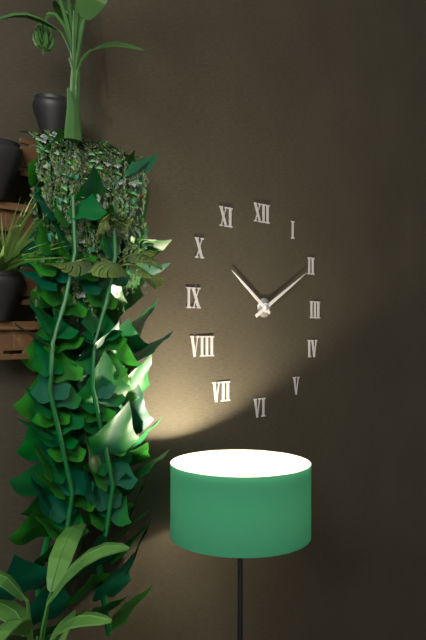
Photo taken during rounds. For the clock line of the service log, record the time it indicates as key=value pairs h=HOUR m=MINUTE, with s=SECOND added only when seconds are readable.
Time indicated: h=10 m=10
